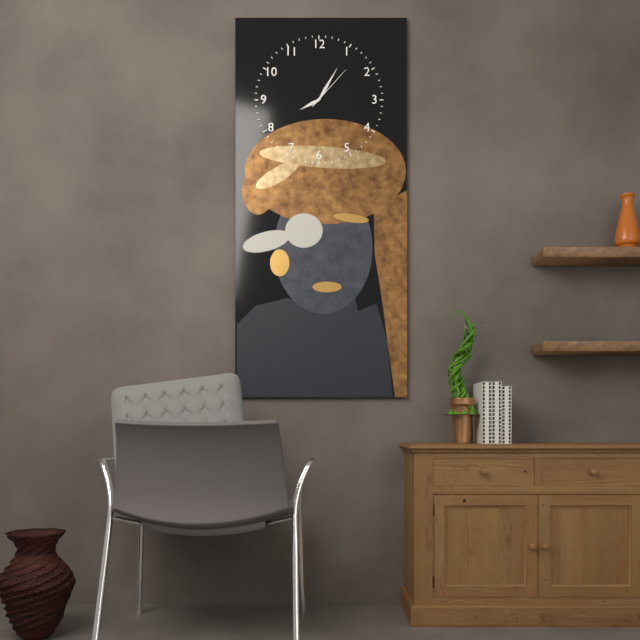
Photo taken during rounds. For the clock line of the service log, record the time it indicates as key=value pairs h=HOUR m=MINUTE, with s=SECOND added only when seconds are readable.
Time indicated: h=8 m=5
